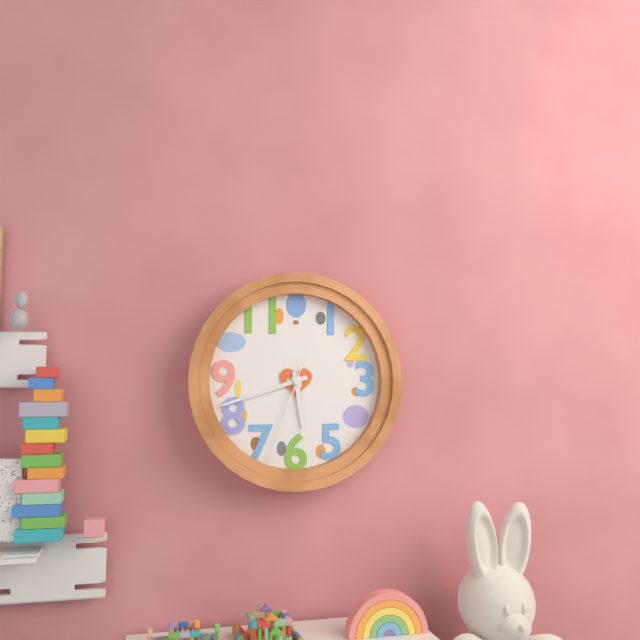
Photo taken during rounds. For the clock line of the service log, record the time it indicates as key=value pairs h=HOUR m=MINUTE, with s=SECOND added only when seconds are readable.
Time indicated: h=5 m=42 s=33
